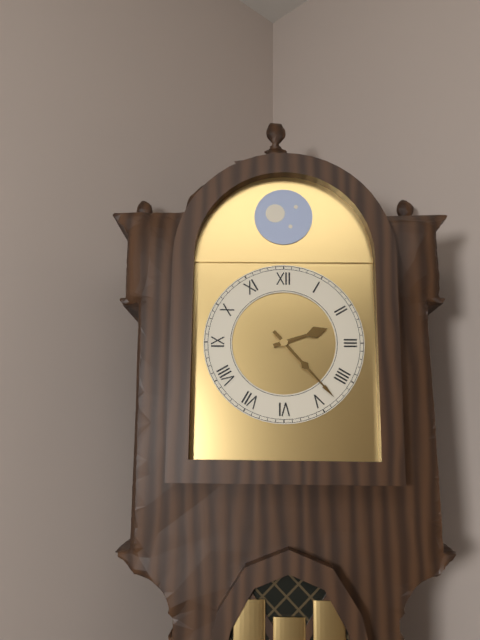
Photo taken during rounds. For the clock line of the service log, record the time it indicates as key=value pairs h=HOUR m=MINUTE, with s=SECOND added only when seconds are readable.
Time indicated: h=2 m=23
